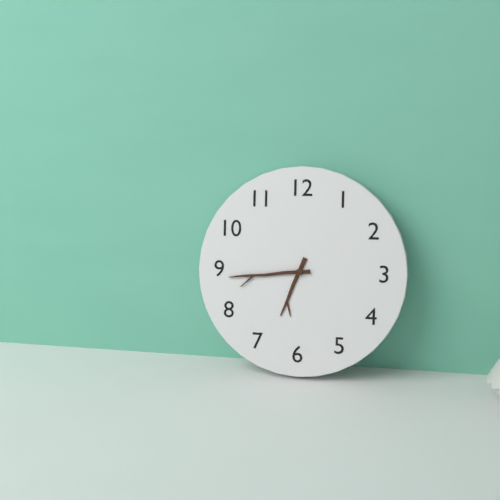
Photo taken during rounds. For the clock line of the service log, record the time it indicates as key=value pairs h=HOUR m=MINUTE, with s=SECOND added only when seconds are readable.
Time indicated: h=6 m=44
